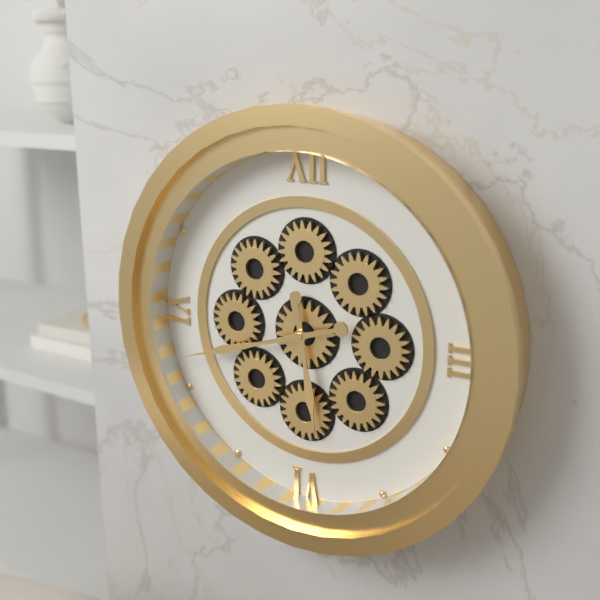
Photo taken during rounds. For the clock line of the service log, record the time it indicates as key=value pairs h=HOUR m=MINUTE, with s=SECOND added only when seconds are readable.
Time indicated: h=5 m=42
